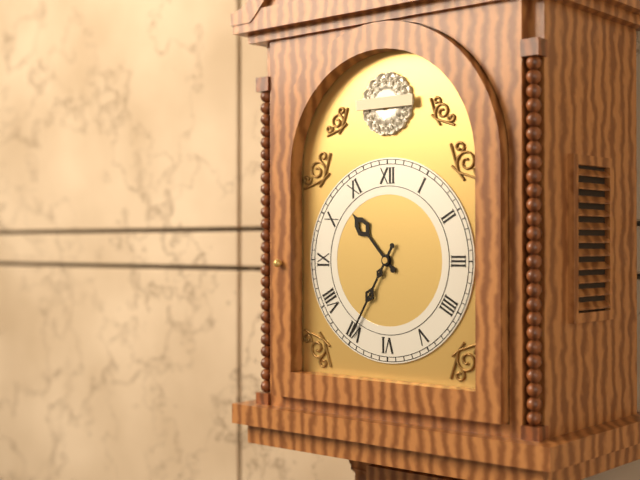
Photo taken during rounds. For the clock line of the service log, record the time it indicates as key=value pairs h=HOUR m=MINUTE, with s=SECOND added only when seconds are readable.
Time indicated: h=10 m=35
